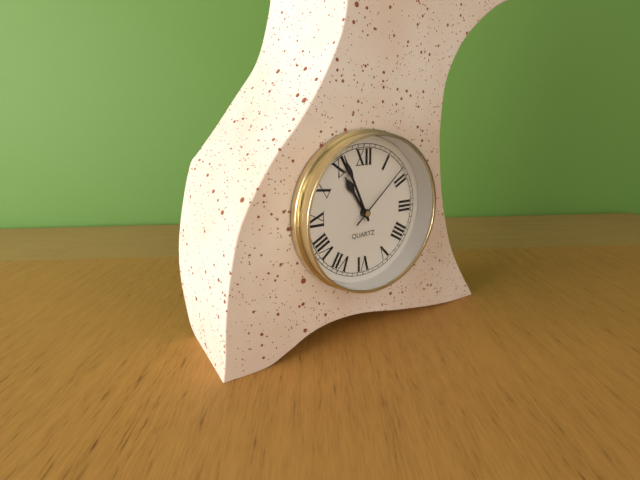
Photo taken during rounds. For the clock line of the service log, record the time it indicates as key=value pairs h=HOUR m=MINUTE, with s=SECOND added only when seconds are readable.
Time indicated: h=10 m=56 s=8
